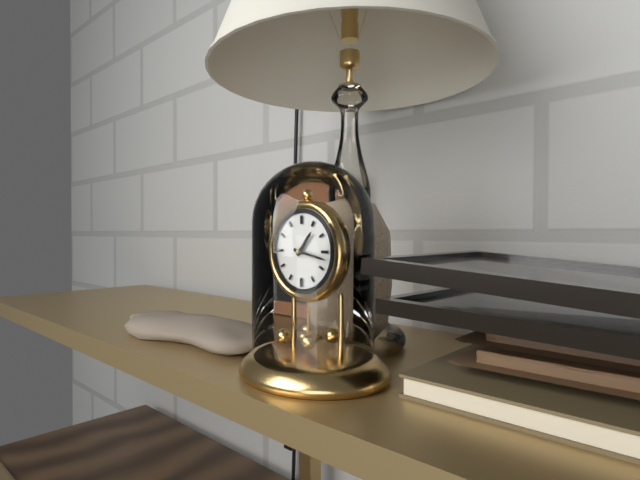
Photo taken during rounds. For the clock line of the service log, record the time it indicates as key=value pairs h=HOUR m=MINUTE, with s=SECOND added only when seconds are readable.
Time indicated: h=1 m=17
